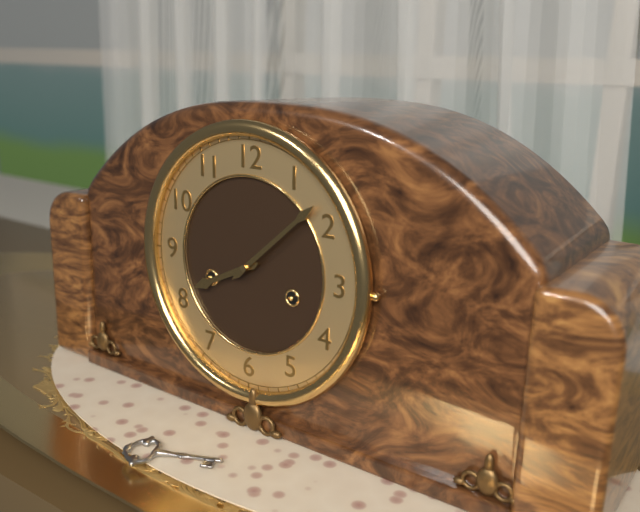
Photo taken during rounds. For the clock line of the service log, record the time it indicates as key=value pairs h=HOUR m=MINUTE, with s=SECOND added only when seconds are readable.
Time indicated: h=8 m=8
